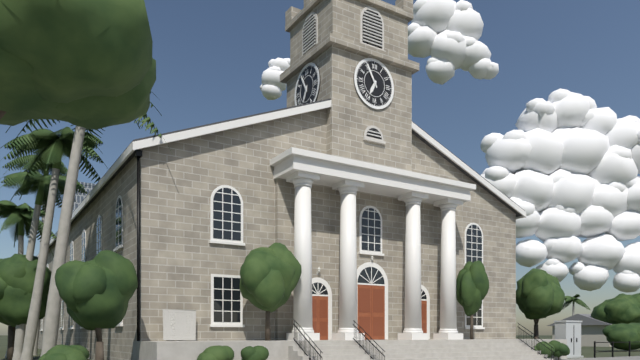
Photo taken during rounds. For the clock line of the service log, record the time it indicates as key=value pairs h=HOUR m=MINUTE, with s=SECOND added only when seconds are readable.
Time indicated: h=6 m=55
